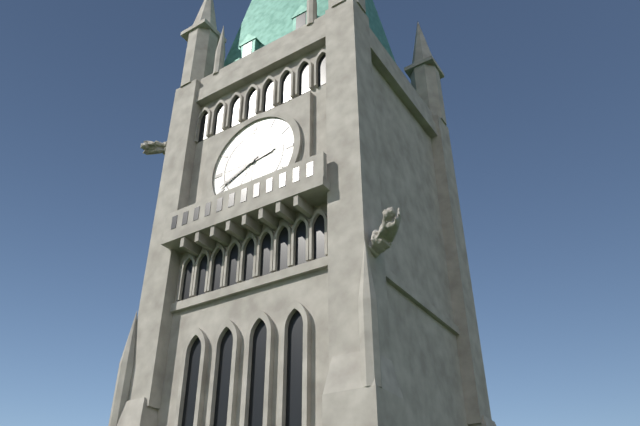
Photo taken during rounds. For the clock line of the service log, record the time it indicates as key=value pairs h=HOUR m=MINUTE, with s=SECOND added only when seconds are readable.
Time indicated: h=2 m=41
